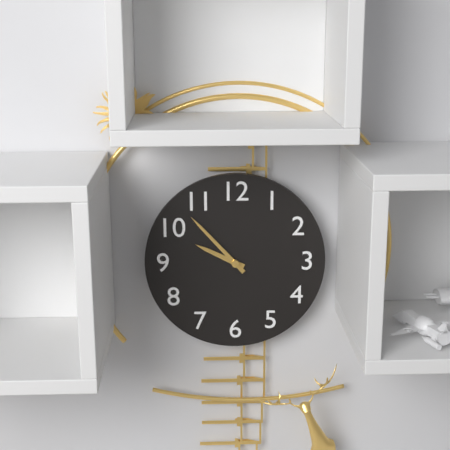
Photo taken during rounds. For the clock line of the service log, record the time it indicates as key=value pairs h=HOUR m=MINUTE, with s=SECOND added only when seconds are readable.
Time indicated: h=9 m=53
